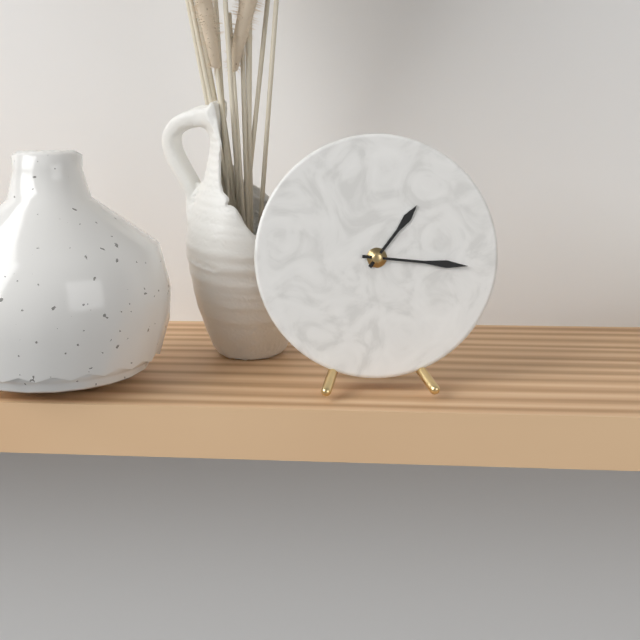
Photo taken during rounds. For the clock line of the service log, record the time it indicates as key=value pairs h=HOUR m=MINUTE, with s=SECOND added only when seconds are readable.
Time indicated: h=1 m=16
